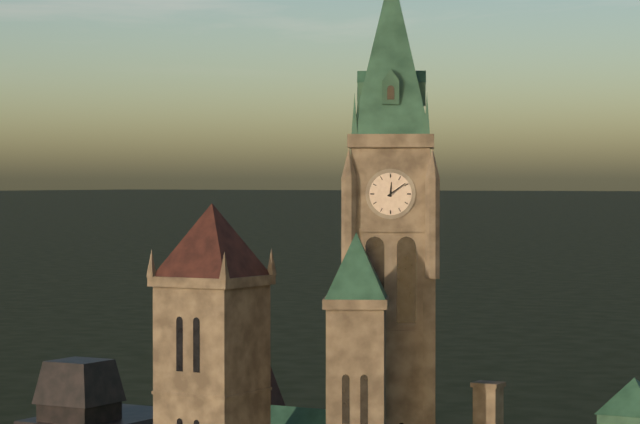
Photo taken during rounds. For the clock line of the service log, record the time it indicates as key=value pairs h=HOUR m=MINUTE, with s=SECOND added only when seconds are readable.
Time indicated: h=12 m=9
